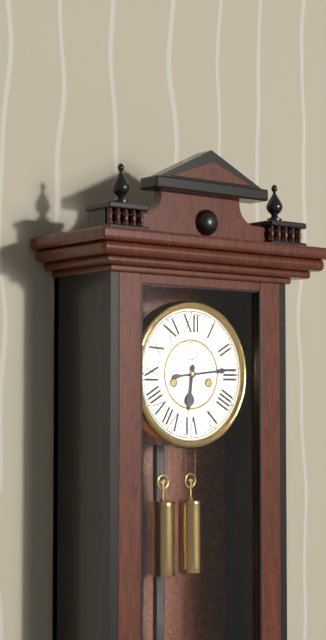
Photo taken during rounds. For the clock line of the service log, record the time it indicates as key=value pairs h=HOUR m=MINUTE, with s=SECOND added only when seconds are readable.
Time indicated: h=6 m=14
